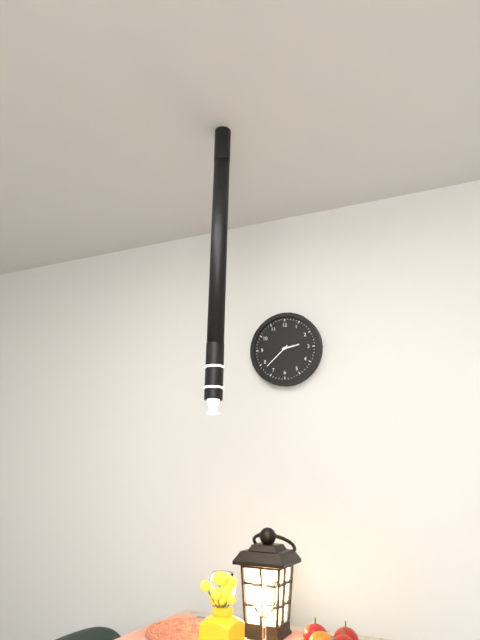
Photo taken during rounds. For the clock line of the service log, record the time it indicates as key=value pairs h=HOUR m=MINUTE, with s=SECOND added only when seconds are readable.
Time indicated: h=2 m=38
